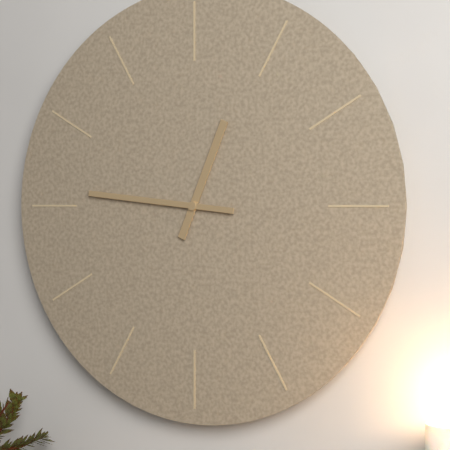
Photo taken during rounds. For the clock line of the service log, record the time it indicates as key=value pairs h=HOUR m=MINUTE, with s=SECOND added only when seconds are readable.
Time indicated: h=12 m=46
